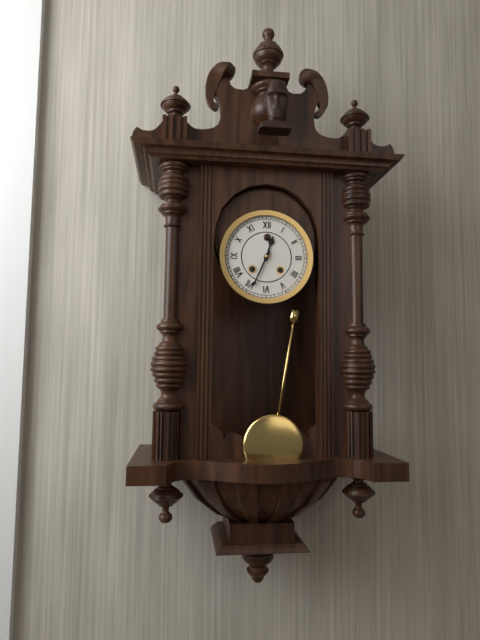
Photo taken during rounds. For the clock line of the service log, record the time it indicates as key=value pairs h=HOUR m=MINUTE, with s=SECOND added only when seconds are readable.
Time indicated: h=12 m=34
